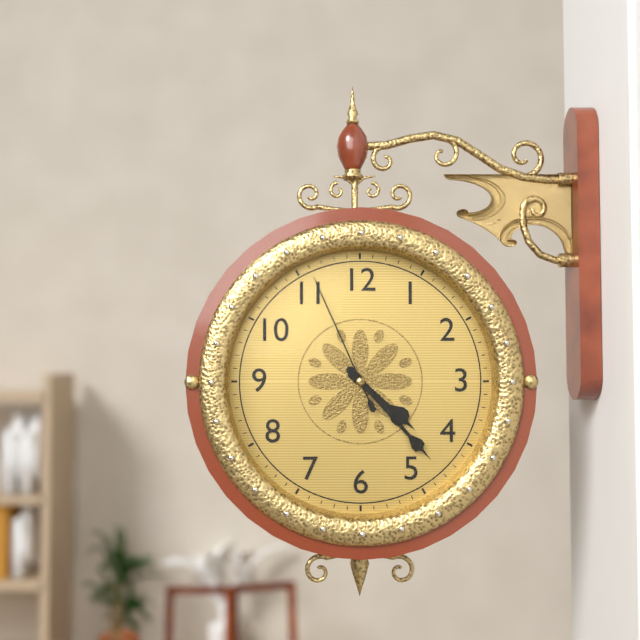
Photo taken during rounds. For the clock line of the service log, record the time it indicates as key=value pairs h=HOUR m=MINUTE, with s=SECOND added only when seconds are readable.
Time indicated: h=4 m=23 s=56
